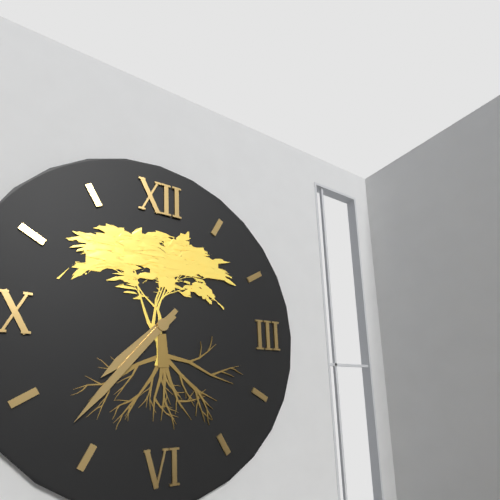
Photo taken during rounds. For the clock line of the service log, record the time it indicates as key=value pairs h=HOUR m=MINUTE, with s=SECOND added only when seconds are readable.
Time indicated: h=7 m=37
